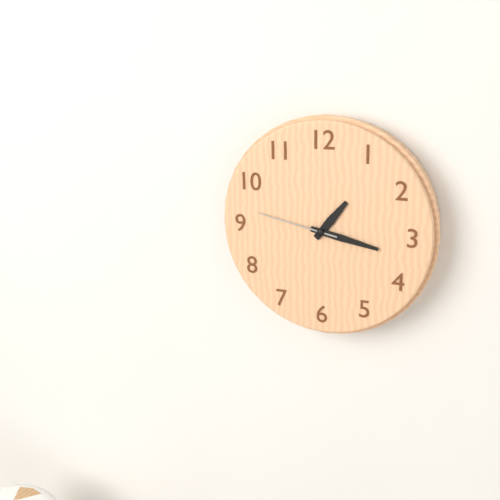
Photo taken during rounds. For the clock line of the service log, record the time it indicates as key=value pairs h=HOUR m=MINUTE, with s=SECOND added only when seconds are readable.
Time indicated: h=1 m=17 s=47
